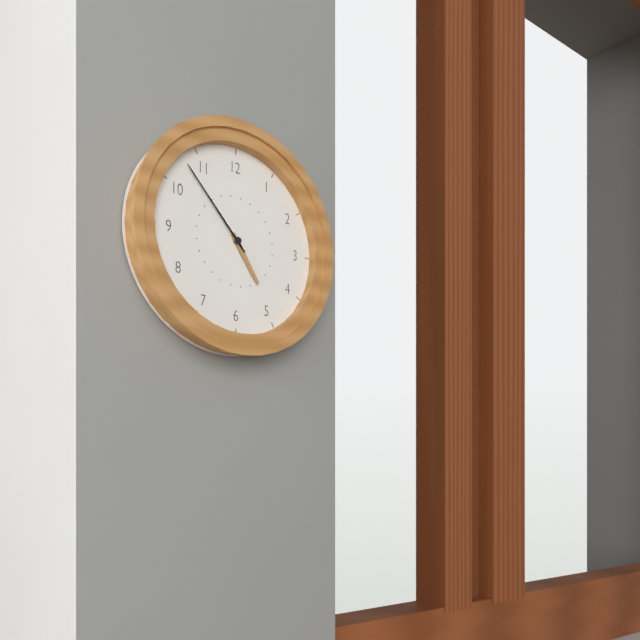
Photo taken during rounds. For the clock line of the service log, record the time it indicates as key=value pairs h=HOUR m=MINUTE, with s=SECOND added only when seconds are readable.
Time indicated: h=4 m=53
